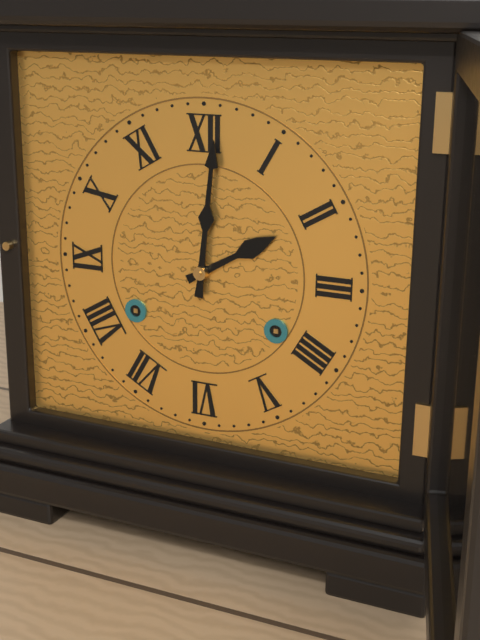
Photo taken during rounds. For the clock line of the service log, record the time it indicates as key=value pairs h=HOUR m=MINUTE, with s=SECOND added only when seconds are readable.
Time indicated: h=2 m=1
